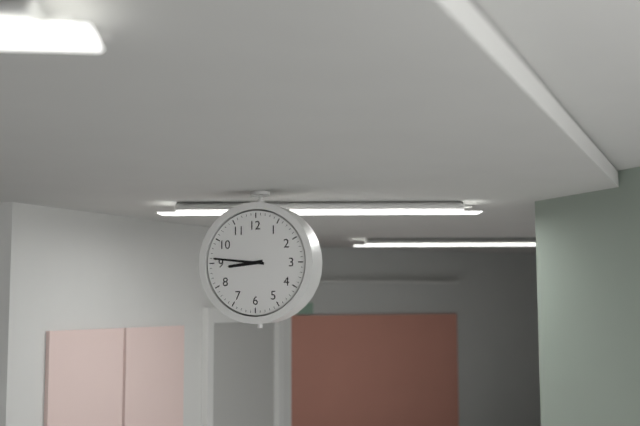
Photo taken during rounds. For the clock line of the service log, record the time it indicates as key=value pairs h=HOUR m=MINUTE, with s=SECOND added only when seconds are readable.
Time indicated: h=8 m=46
